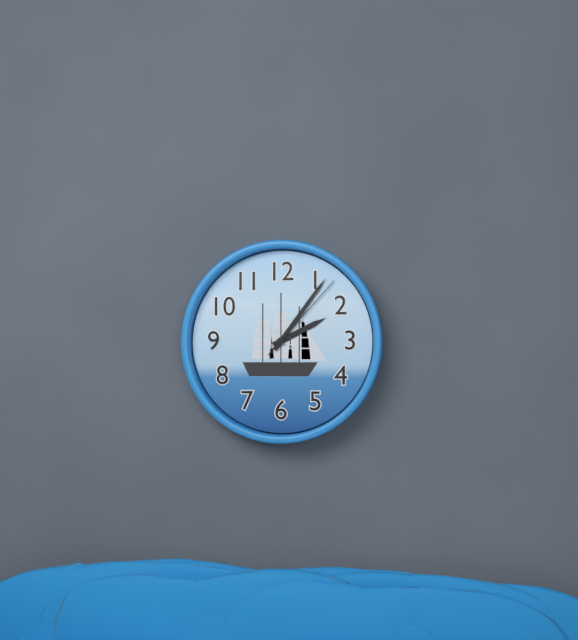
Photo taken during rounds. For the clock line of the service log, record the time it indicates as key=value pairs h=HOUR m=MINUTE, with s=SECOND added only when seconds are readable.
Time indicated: h=2 m=6 s=7
